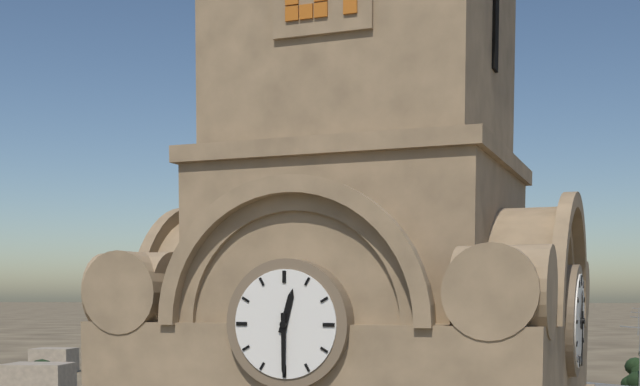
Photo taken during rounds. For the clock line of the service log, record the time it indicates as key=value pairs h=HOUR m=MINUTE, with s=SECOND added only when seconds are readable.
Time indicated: h=12 m=30
